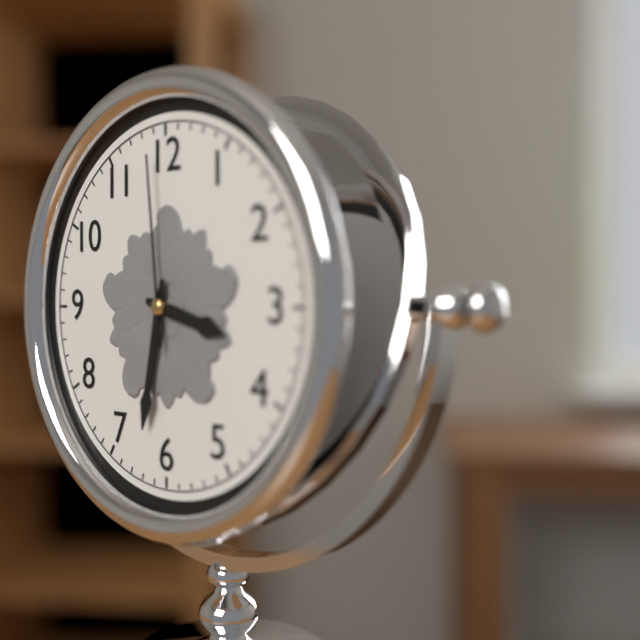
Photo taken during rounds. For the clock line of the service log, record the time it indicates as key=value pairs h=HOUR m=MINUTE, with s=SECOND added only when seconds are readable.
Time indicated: h=3 m=32 s=59
